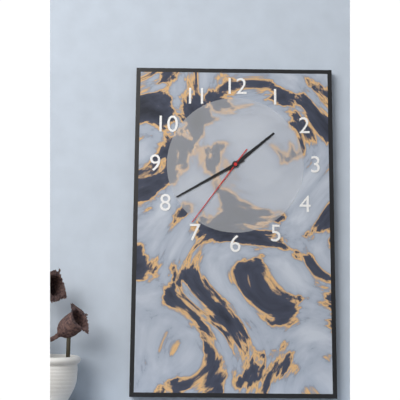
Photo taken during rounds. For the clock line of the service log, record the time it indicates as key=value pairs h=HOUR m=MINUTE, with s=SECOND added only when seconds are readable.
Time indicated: h=1 m=40 s=36
